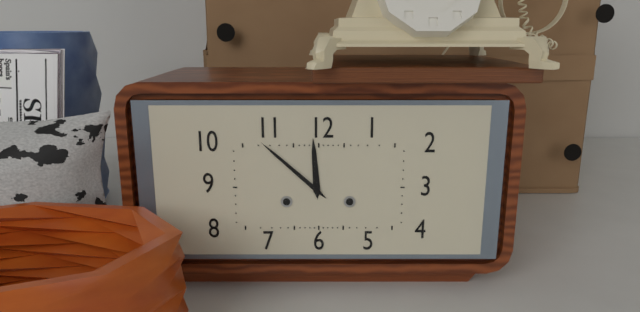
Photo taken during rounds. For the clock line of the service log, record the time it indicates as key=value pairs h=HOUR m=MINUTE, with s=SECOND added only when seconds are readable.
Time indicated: h=11 m=52
